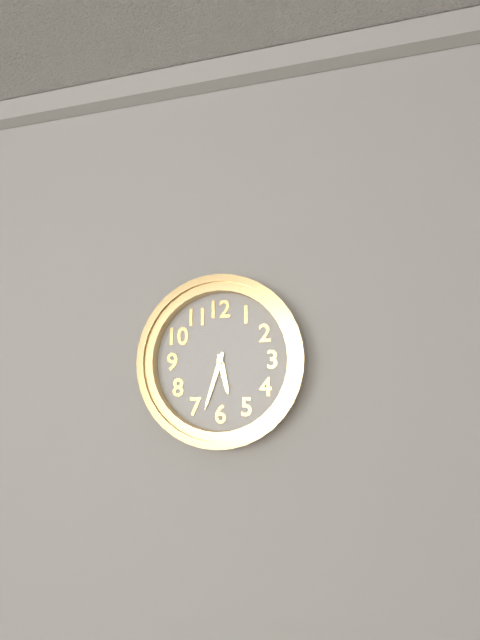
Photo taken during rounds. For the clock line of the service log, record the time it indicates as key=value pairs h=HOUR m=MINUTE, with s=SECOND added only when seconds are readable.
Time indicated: h=5 m=33
